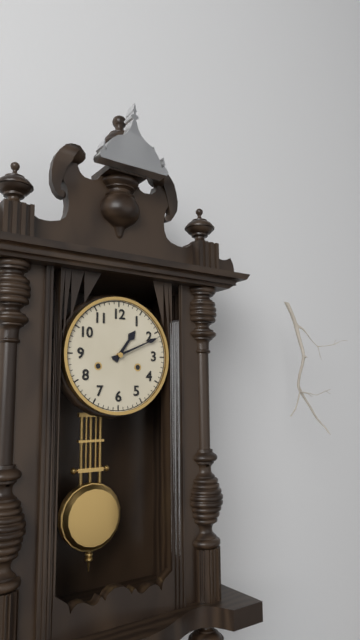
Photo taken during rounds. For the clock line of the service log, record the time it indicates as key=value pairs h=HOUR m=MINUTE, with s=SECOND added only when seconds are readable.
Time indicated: h=1 m=11
